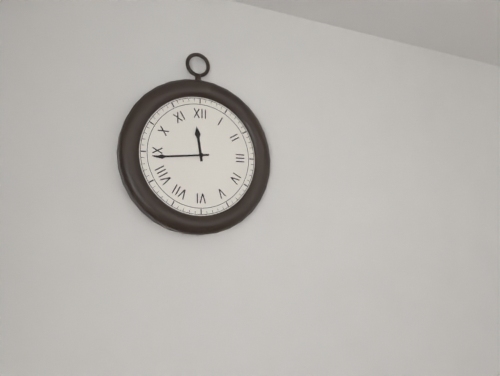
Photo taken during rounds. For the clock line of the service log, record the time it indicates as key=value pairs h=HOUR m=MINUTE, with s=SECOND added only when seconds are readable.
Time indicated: h=11 m=44
